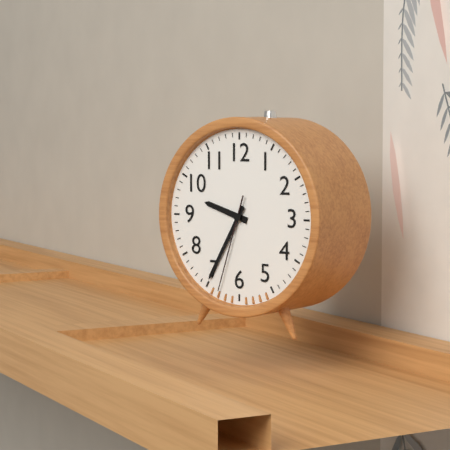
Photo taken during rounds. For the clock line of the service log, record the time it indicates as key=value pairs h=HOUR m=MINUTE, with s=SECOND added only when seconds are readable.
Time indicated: h=9 m=35 s=33
